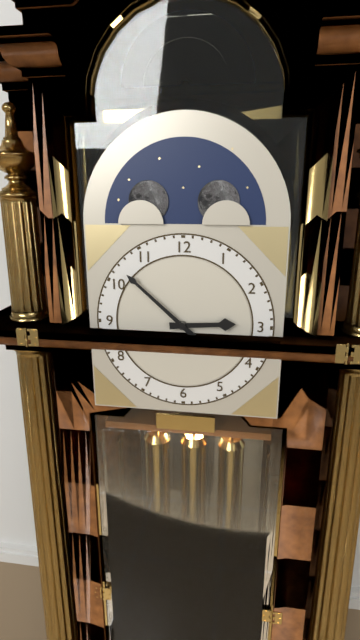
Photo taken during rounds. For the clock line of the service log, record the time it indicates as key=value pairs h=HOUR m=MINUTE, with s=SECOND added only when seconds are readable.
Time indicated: h=2 m=52
